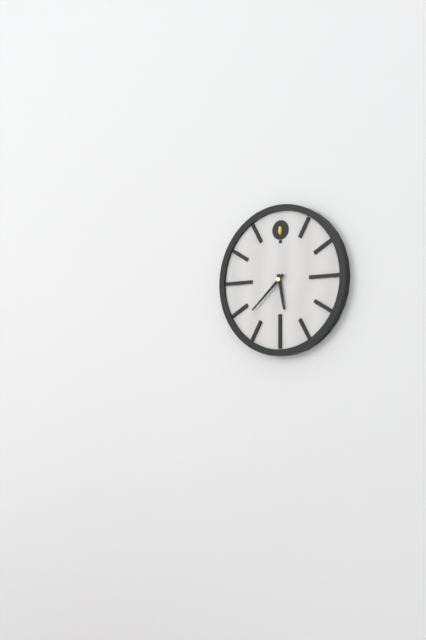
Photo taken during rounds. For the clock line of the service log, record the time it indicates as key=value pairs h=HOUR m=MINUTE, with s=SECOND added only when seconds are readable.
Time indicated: h=5 m=38
